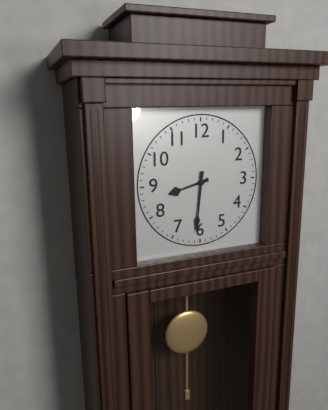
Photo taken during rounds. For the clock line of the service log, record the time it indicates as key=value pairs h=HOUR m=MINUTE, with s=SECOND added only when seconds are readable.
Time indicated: h=8 m=31
